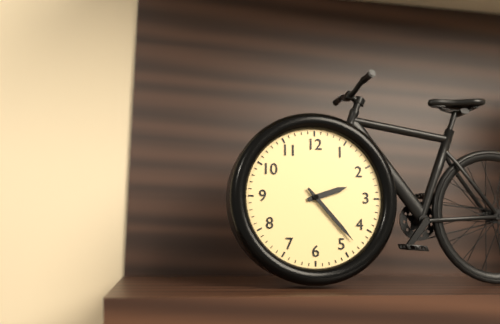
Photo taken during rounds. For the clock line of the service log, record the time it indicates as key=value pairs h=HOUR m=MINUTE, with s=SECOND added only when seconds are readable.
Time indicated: h=2 m=23
